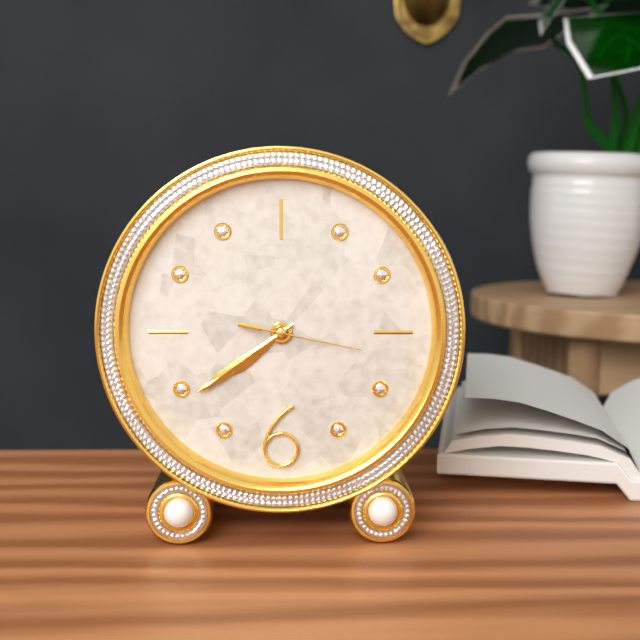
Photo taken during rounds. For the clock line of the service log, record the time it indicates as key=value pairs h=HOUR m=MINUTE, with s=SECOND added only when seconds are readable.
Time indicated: h=7 m=39 s=17
